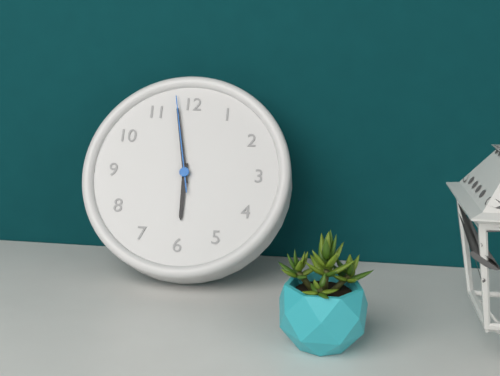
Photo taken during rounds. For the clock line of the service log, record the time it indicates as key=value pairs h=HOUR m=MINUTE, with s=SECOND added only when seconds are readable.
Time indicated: h=5 m=58 s=58
